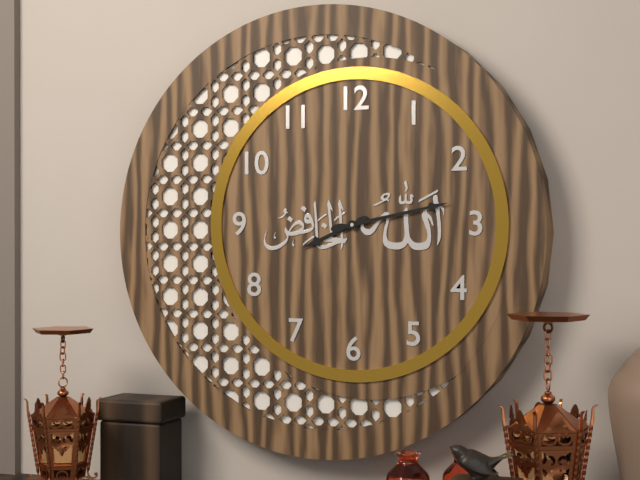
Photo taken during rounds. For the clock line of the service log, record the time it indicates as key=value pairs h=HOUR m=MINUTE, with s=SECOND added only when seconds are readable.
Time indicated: h=8 m=13
